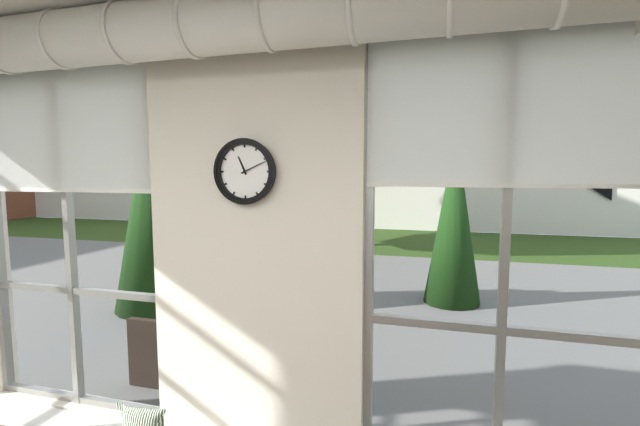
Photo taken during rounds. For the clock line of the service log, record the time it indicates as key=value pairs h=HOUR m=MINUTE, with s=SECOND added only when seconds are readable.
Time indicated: h=11 m=11
